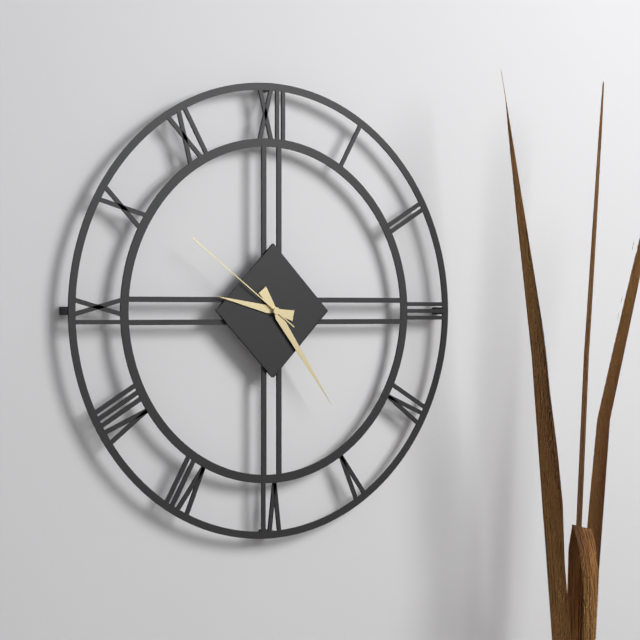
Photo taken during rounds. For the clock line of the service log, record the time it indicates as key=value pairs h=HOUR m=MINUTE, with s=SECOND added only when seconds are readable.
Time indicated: h=9 m=24 s=51
